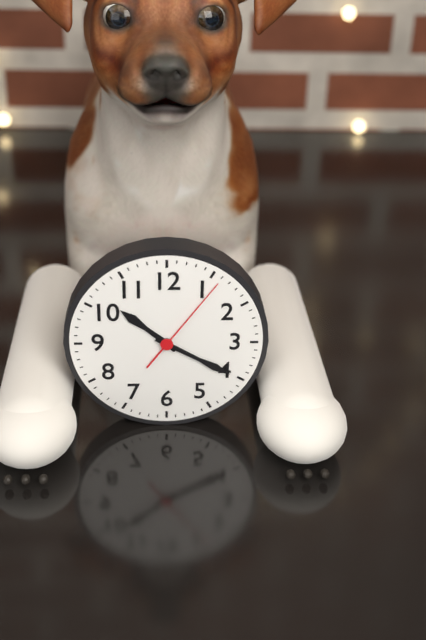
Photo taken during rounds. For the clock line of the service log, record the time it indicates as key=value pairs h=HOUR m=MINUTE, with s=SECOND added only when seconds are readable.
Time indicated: h=10 m=20 s=6
